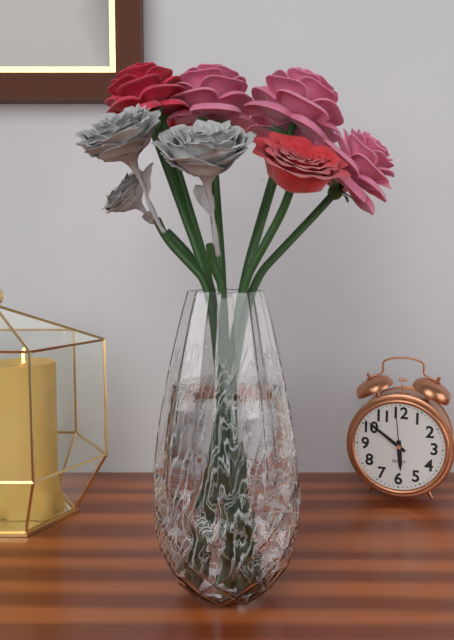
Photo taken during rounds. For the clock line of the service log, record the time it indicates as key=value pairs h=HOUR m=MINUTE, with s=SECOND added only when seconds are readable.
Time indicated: h=5 m=51
